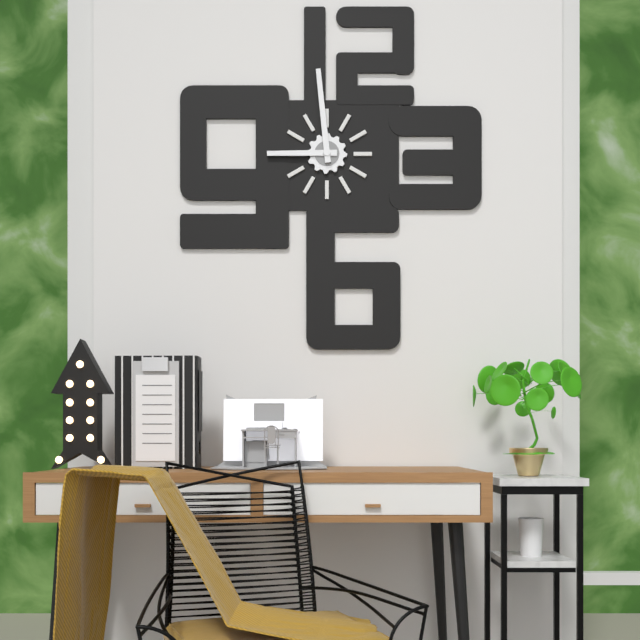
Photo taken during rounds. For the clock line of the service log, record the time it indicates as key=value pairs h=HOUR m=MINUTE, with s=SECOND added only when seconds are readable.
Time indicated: h=8 m=59
